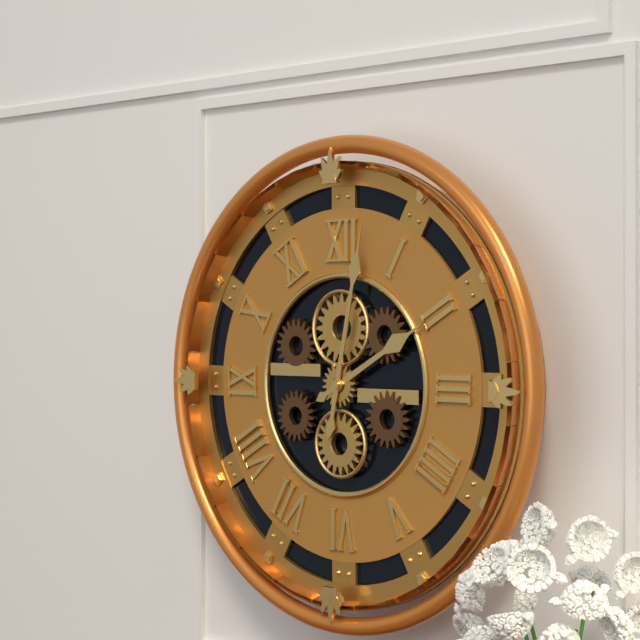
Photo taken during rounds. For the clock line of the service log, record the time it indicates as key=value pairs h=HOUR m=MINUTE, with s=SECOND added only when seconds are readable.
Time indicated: h=2 m=2
